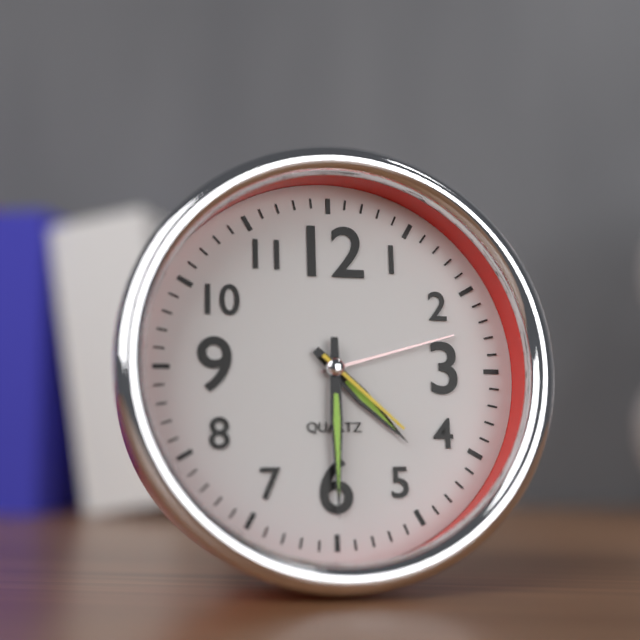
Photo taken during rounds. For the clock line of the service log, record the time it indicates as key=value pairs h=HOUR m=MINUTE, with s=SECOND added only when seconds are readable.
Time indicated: h=4 m=30 s=22
